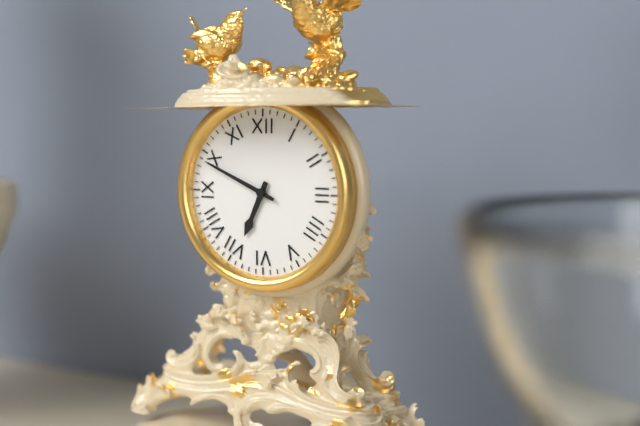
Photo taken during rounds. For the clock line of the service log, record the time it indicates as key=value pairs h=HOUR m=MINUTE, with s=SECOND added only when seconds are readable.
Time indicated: h=6 m=49
